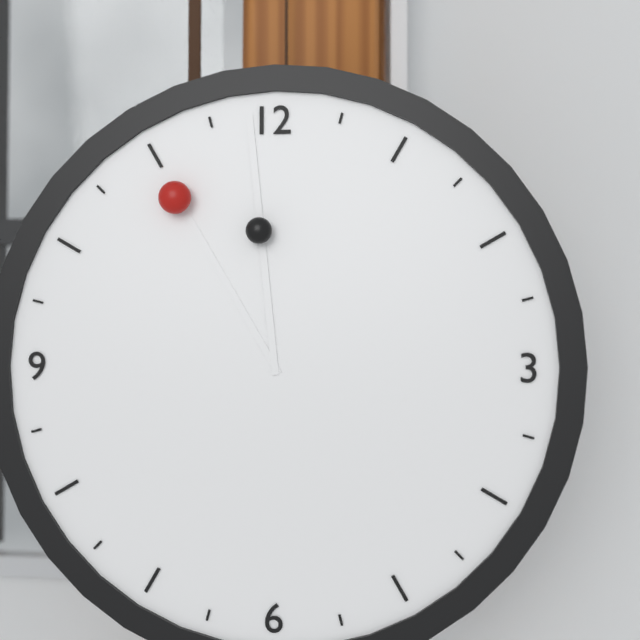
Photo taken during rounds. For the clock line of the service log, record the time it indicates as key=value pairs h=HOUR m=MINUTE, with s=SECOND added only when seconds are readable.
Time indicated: h=10 m=59
